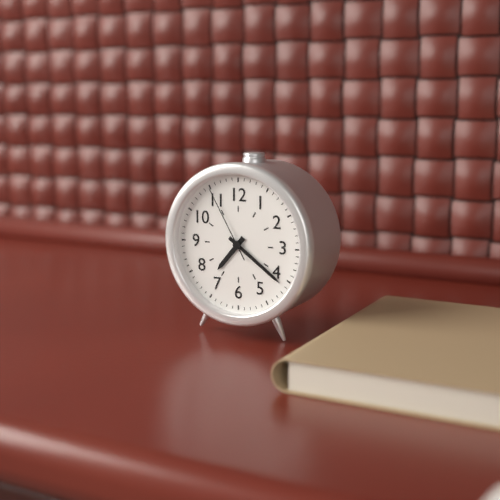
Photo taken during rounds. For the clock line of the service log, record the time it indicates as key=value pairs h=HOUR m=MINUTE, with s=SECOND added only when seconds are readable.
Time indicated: h=7 m=21 s=55
